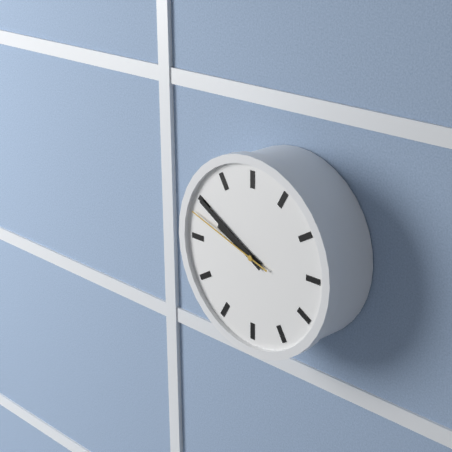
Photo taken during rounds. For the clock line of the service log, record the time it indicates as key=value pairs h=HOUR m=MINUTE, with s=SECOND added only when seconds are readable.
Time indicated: h=9 m=50 s=48
